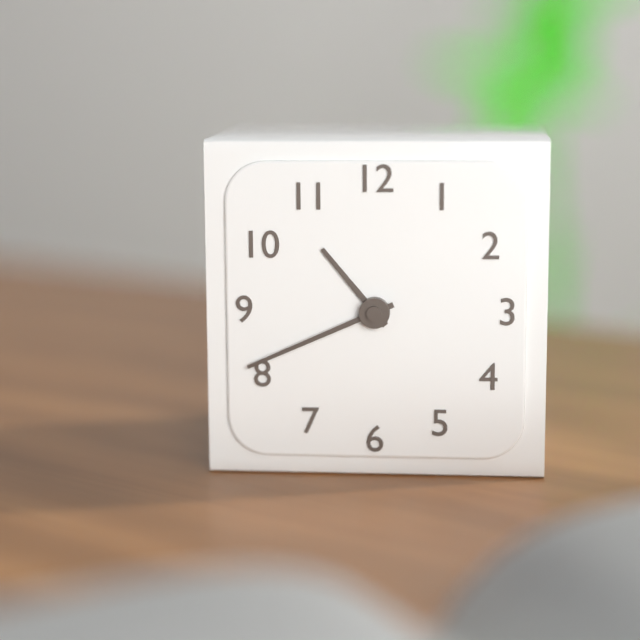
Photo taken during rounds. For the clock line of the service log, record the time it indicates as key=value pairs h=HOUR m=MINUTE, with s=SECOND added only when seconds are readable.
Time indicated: h=10 m=41
